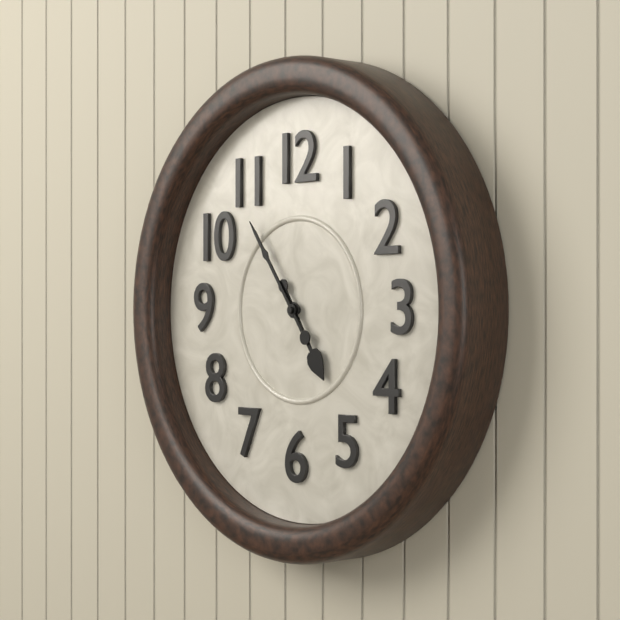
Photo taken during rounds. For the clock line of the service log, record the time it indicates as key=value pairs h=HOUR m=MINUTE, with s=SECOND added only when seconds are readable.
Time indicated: h=4 m=54
